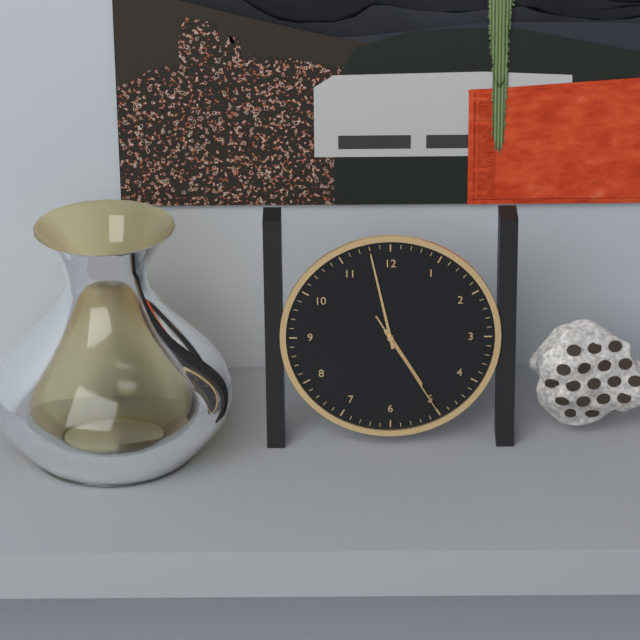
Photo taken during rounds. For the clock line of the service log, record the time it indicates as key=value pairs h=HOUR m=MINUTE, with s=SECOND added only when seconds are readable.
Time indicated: h=4 m=58 s=25
